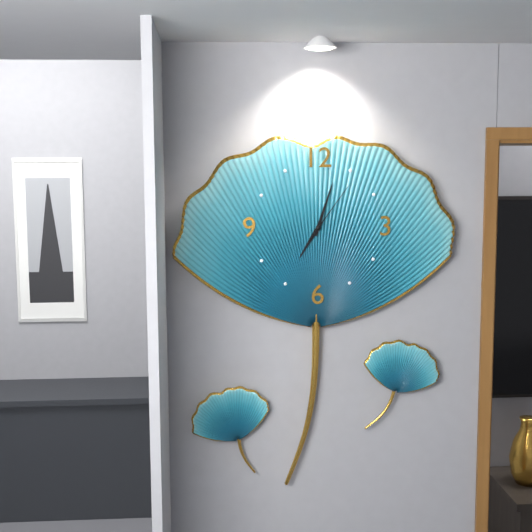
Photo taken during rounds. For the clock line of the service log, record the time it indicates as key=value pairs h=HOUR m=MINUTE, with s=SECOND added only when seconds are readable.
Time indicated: h=7 m=3 s=6
